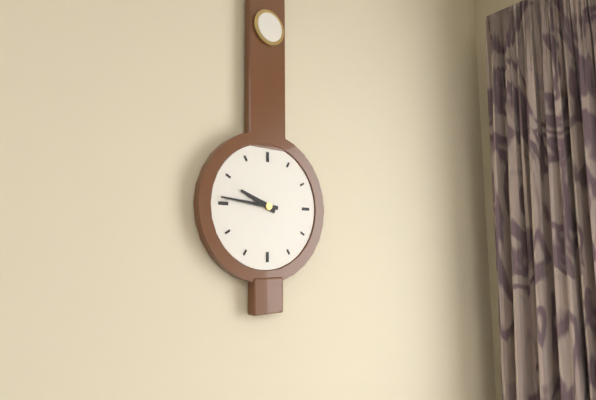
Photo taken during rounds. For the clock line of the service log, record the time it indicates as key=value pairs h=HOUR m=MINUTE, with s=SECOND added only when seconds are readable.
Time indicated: h=9 m=46
